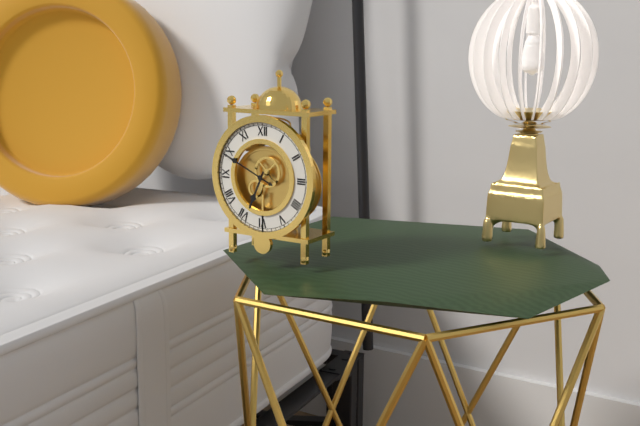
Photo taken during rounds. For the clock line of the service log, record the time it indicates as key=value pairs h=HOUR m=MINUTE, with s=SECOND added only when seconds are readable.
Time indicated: h=6 m=49
